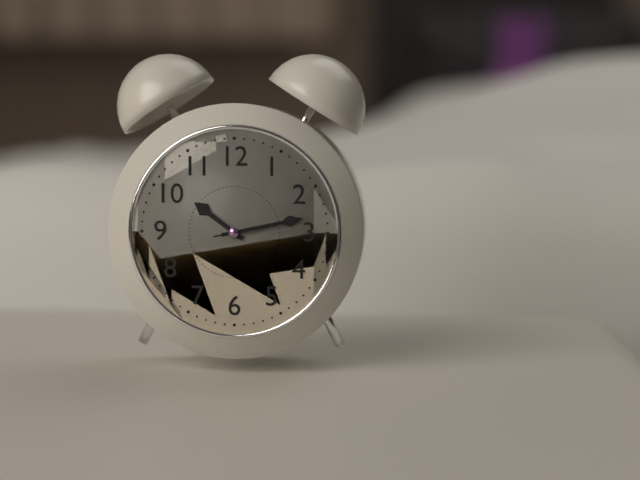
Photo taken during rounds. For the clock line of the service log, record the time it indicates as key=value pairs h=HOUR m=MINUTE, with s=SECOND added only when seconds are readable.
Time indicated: h=10 m=13 s=13
